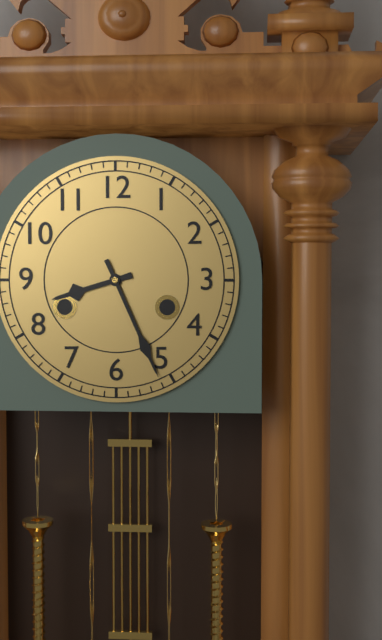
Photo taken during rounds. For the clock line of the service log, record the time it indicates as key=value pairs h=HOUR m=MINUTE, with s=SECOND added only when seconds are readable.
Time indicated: h=8 m=26
